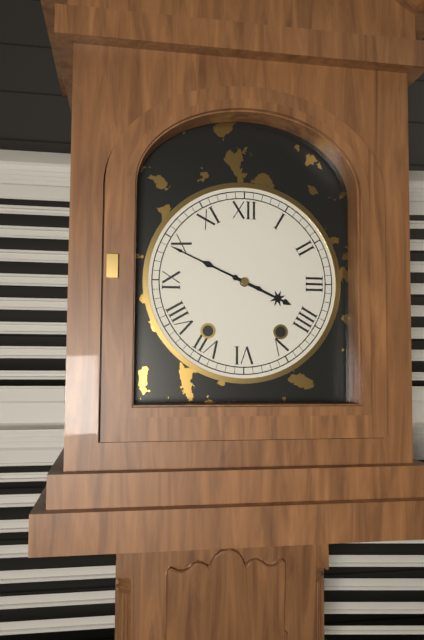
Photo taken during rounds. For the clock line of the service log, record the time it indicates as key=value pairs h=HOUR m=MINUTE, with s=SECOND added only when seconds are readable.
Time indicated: h=3 m=49
